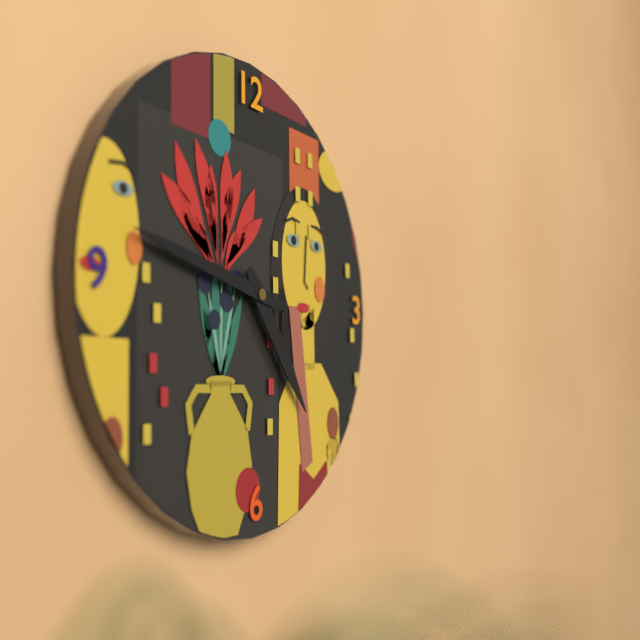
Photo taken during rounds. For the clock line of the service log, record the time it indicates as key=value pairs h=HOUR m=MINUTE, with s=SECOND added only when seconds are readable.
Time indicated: h=4 m=47
